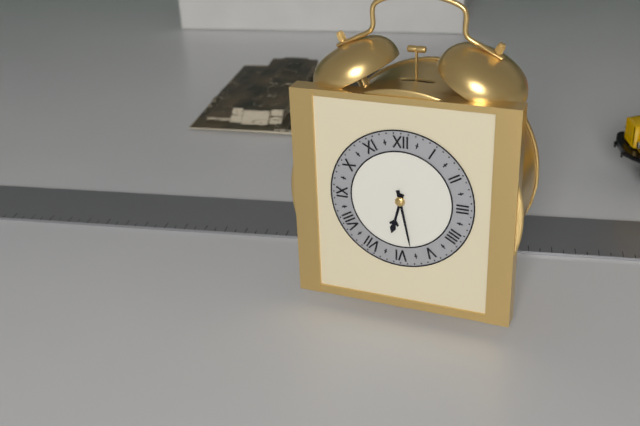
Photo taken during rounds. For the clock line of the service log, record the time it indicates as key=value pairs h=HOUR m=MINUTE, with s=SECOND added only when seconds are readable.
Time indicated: h=6 m=28
